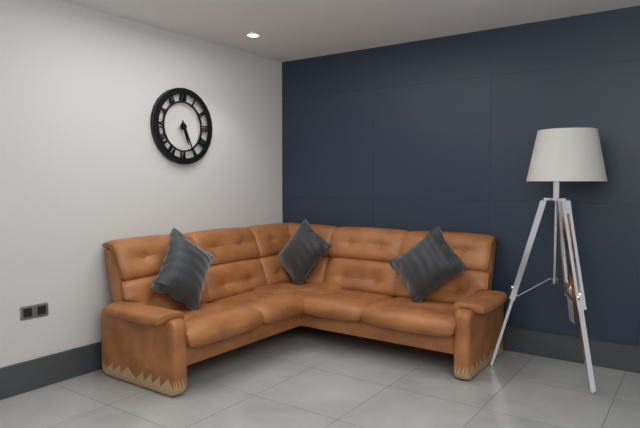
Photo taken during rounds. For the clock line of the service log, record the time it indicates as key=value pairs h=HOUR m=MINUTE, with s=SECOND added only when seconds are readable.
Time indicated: h=5 m=26
